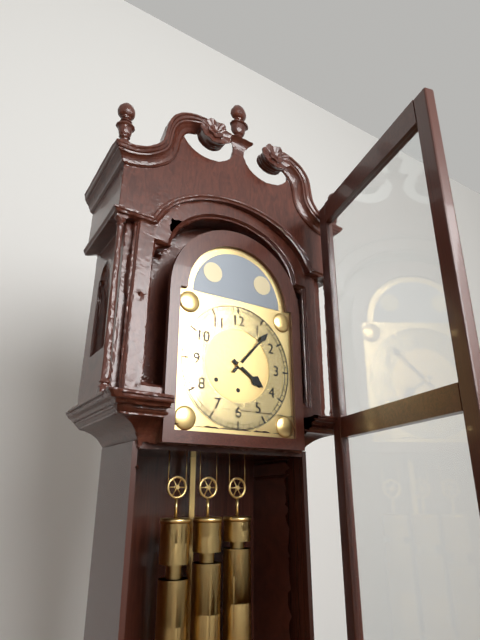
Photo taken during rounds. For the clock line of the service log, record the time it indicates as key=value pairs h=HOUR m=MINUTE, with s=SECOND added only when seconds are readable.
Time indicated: h=4 m=7
